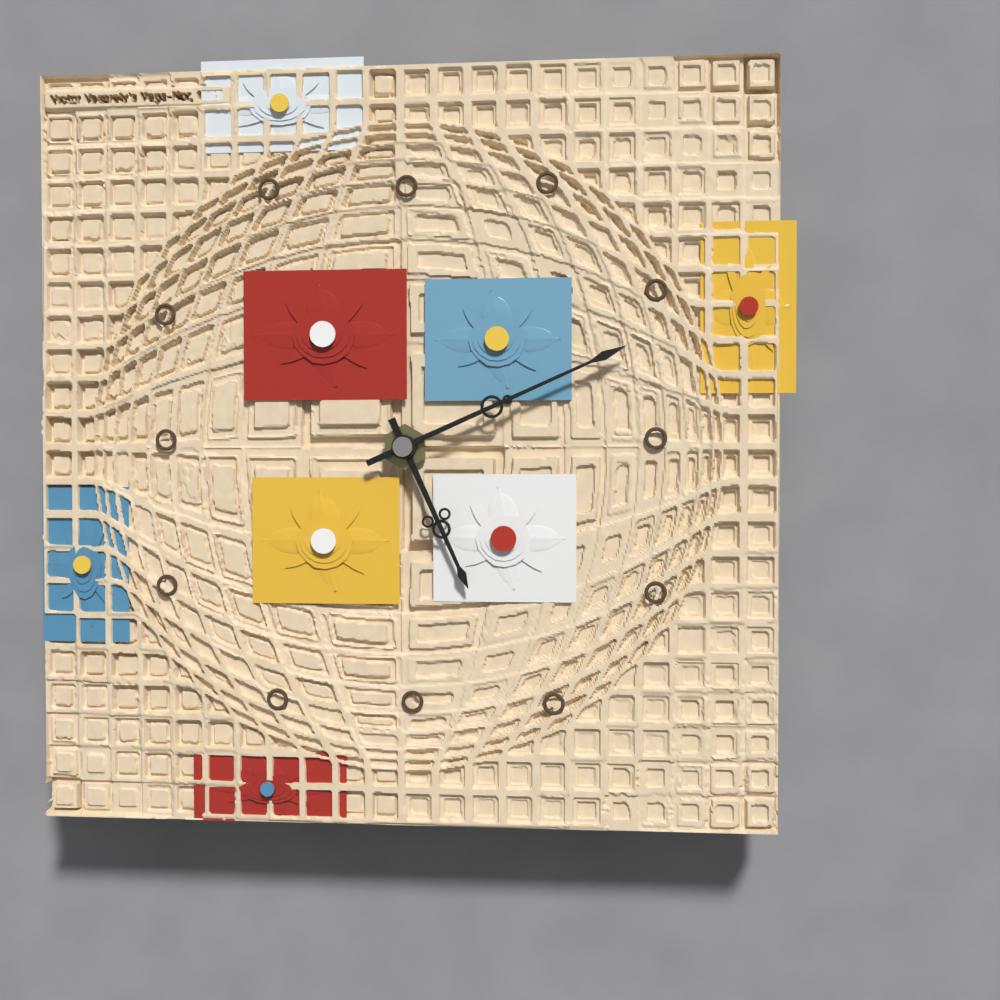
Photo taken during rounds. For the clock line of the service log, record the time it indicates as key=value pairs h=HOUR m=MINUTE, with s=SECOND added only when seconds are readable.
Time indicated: h=5 m=11
